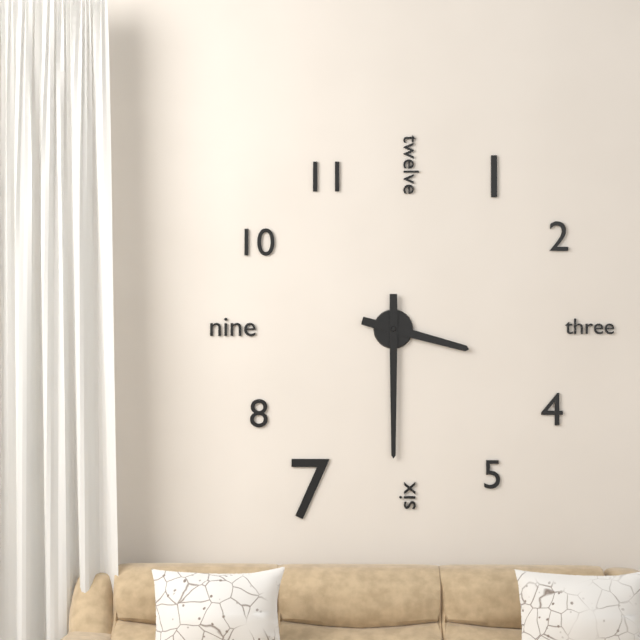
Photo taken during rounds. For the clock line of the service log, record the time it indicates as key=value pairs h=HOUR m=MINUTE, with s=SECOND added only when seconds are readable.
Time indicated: h=3 m=30
